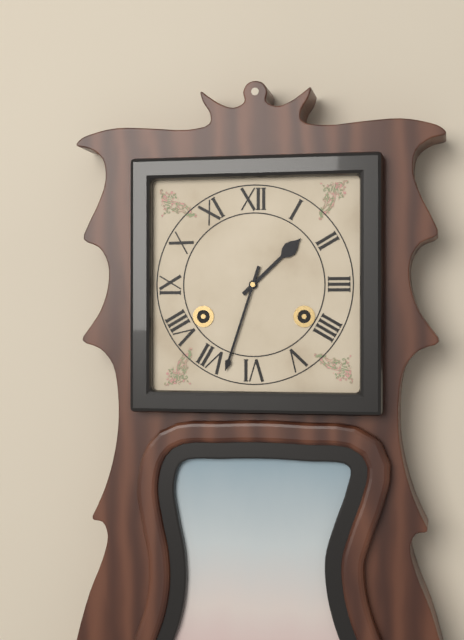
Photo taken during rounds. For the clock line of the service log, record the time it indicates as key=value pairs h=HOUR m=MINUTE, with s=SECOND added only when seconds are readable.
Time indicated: h=1 m=33
